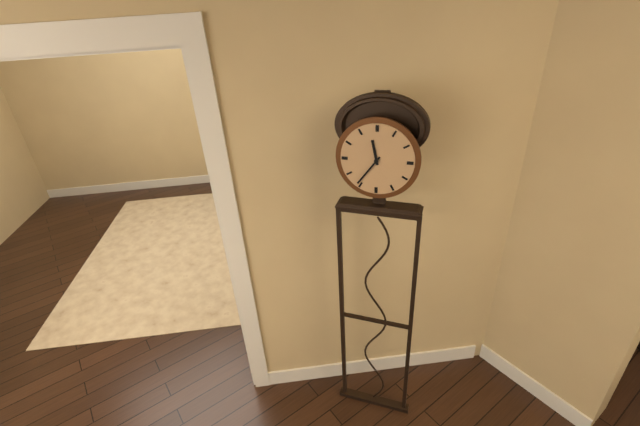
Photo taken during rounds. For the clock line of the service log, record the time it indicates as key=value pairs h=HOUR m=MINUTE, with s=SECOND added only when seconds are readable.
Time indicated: h=11 m=36
